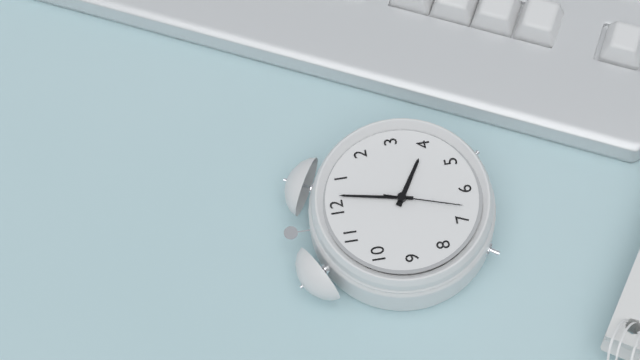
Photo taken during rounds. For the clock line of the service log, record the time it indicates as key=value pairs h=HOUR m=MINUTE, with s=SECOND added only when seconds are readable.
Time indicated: h=4 m=2 s=33
